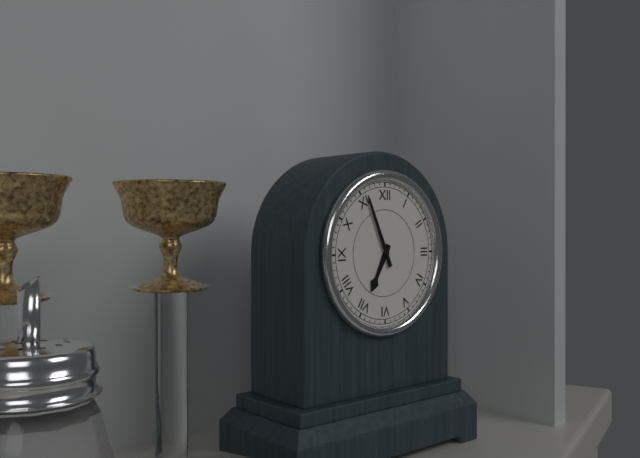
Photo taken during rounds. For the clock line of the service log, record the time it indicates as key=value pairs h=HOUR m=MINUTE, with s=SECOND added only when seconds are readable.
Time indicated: h=6 m=56
